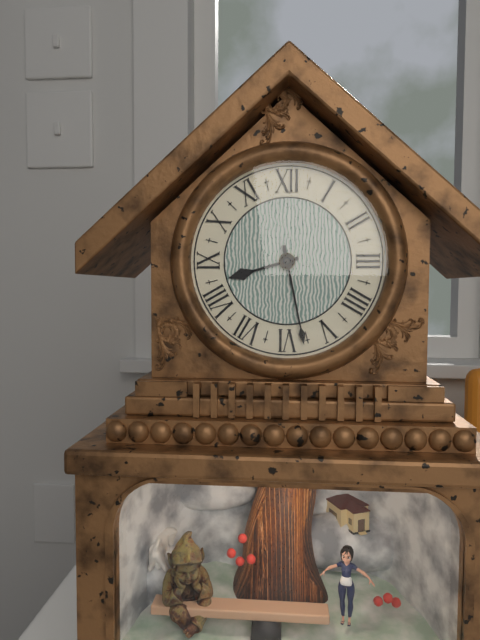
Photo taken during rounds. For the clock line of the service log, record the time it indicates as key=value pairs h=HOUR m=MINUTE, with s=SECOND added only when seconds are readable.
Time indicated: h=8 m=28
